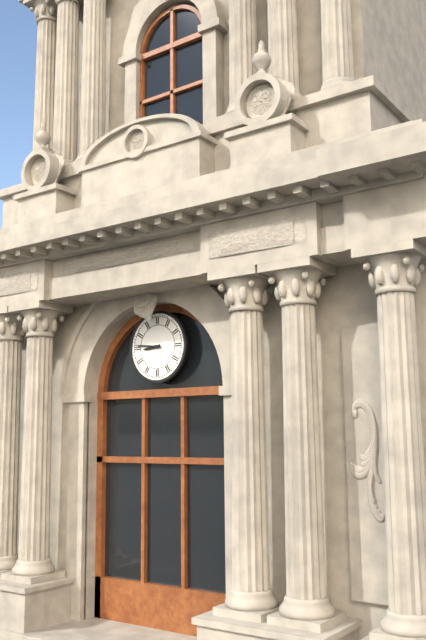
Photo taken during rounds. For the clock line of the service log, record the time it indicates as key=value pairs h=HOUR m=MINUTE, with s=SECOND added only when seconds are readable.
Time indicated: h=8 m=46
